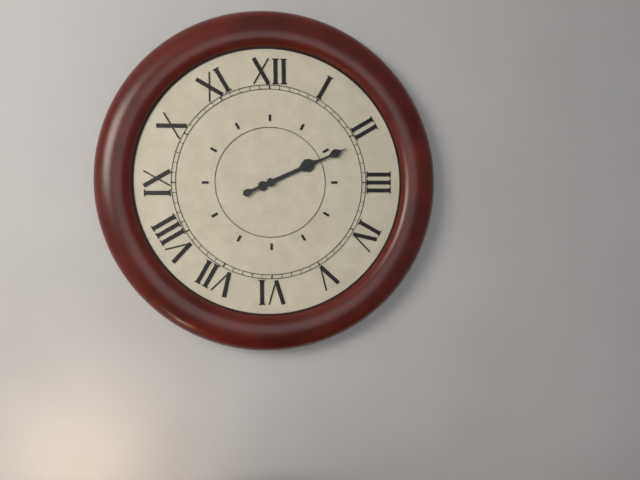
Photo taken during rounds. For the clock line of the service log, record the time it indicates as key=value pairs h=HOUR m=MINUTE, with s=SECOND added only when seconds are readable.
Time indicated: h=2 m=11
